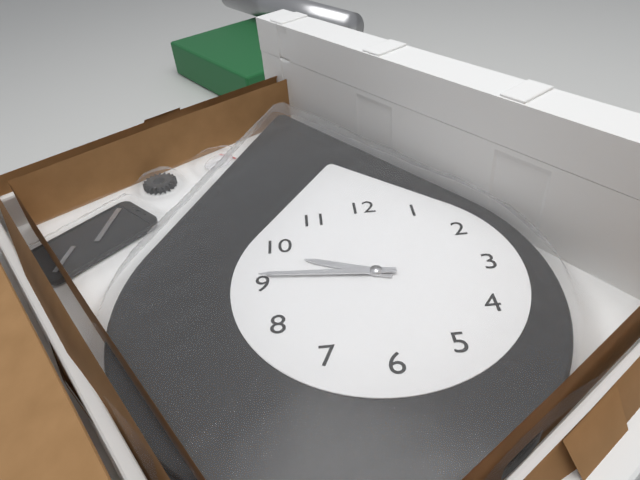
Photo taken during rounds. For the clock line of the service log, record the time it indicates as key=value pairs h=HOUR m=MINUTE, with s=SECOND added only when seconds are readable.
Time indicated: h=9 m=46
